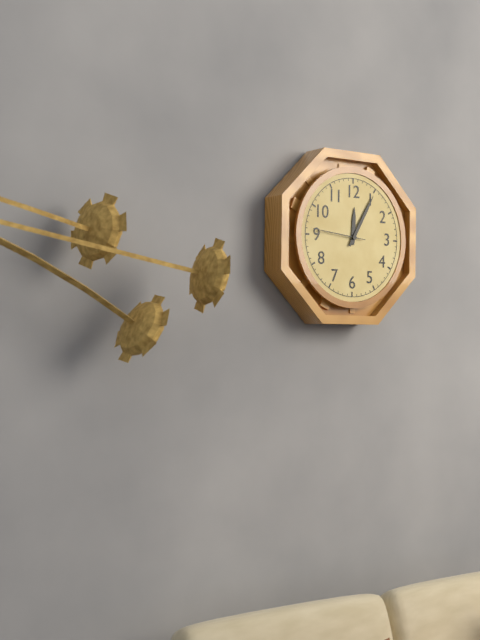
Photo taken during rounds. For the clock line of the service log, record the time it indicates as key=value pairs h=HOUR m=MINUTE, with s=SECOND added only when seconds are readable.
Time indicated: h=12 m=5 s=46
